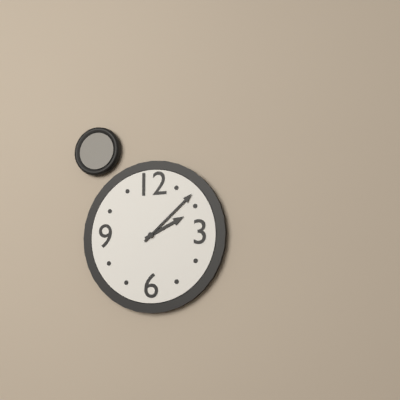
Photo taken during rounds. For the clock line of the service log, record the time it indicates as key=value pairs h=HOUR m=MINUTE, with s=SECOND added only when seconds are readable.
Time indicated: h=2 m=8
